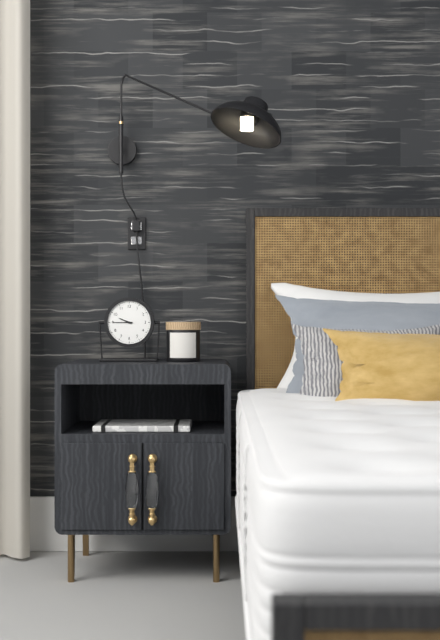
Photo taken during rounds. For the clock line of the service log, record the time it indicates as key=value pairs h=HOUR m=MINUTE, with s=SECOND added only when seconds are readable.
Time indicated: h=9 m=45
